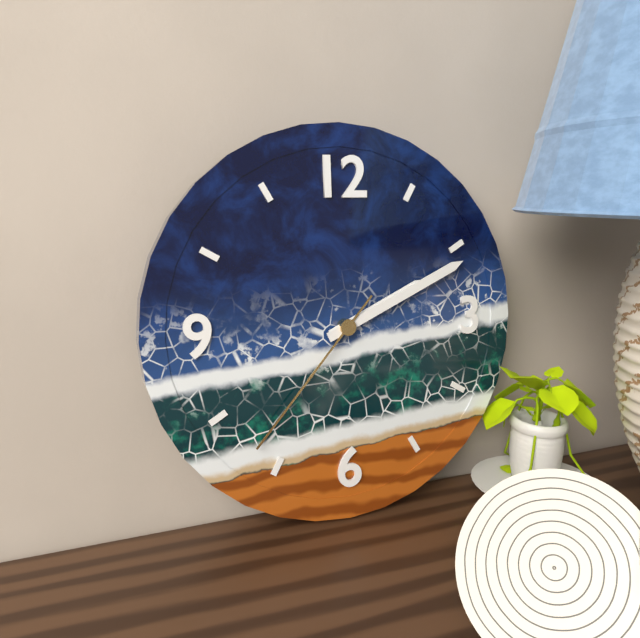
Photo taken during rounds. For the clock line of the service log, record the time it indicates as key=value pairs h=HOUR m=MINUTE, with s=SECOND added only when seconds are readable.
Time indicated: h=2 m=11 s=37
